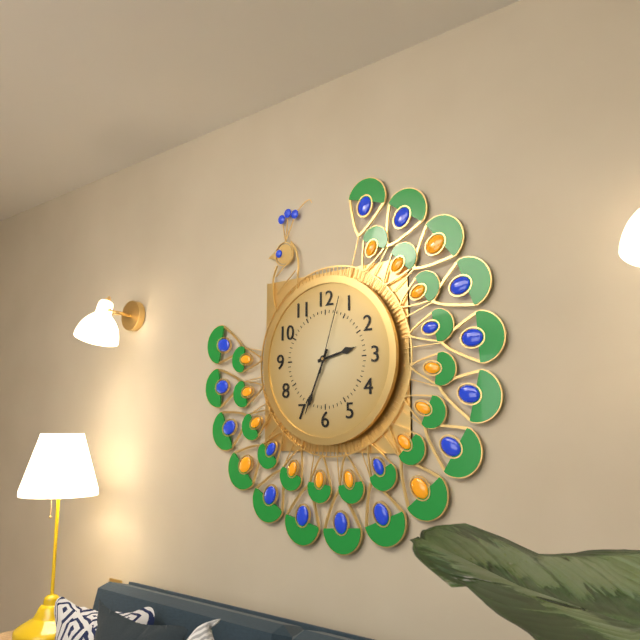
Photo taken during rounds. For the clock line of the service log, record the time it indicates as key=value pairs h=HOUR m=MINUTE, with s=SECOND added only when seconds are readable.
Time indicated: h=2 m=34 s=3
